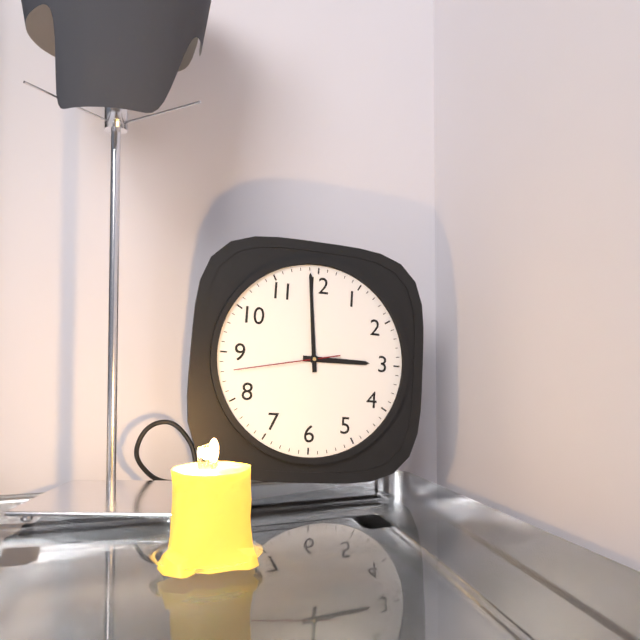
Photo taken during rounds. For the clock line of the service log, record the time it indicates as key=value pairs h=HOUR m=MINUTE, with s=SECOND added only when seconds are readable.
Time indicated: h=2 m=59 s=43
